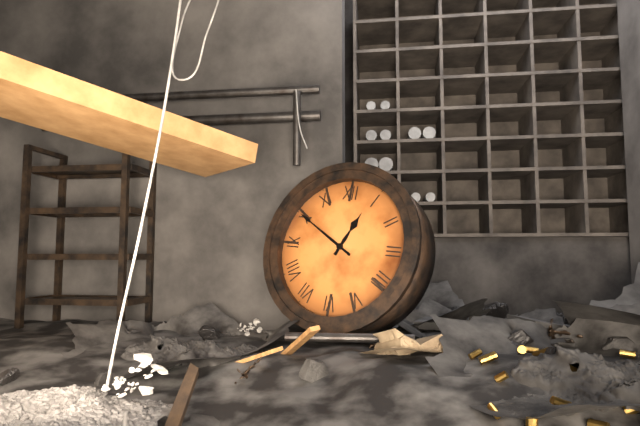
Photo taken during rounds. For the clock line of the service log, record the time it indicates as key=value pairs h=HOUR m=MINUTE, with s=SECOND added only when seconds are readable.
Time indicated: h=12 m=50
